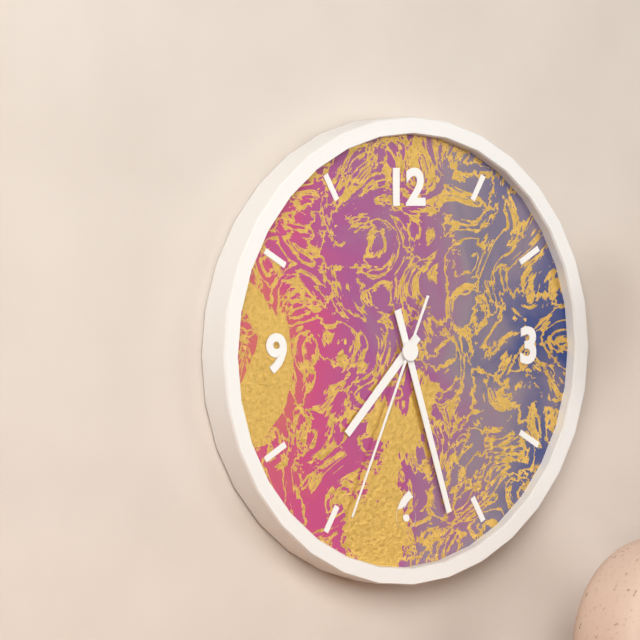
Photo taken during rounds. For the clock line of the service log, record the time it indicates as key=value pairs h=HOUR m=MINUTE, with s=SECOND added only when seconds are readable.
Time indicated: h=7 m=27 s=34
